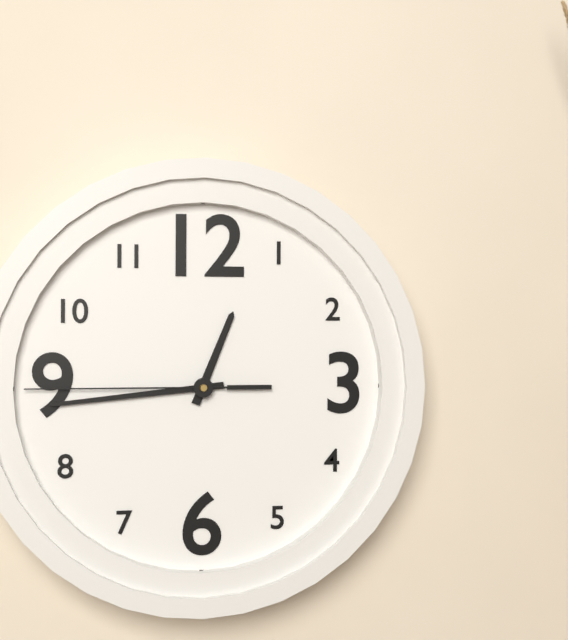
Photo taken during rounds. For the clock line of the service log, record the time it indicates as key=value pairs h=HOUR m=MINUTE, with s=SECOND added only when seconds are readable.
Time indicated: h=12 m=44 s=45
